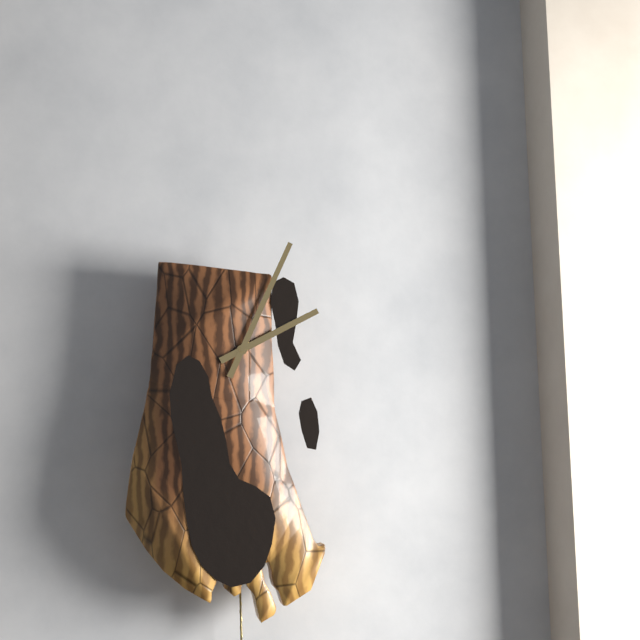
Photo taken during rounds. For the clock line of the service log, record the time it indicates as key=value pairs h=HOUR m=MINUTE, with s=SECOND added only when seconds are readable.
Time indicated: h=2 m=4
